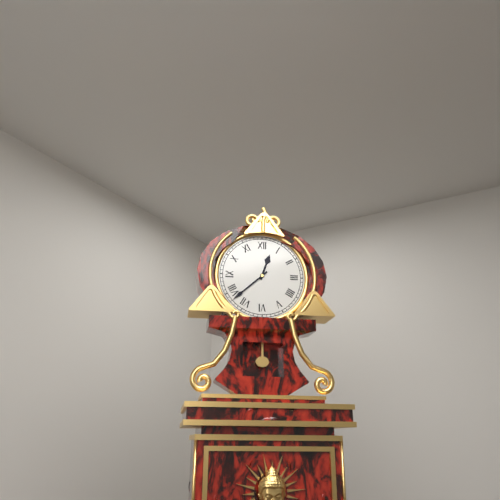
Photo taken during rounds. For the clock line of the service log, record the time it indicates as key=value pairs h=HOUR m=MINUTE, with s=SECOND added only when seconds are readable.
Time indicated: h=12 m=38
